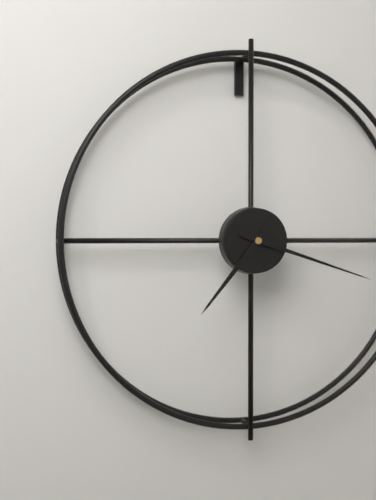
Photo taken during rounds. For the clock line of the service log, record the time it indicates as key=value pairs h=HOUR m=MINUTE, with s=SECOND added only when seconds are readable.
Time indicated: h=7 m=18
